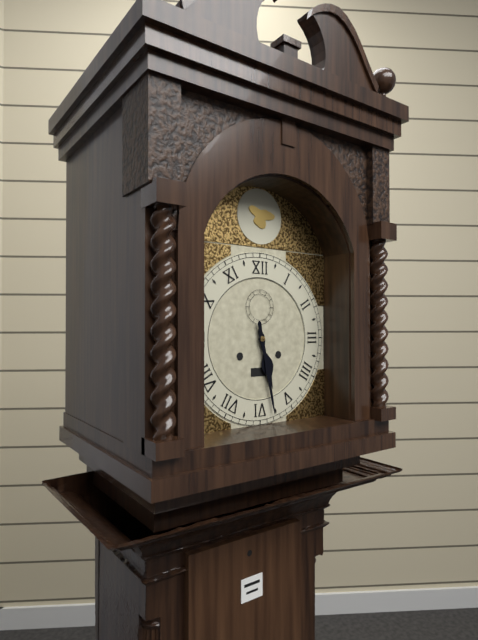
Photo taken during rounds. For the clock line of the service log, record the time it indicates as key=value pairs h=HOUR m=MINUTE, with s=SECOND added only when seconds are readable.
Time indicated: h=5 m=28
